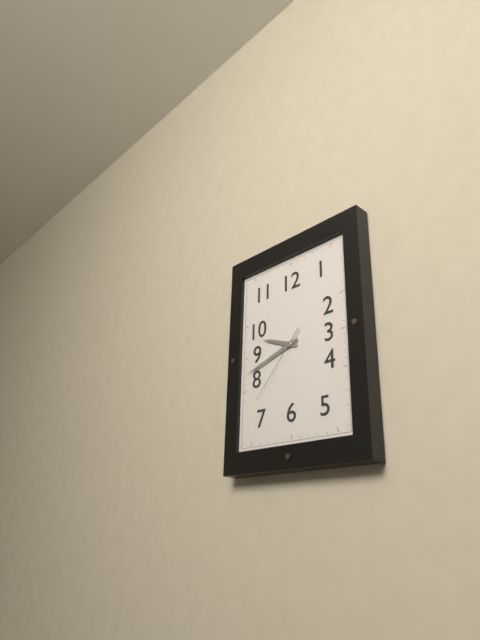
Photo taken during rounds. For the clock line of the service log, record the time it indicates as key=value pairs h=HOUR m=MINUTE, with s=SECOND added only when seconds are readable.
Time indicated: h=9 m=42 s=37
